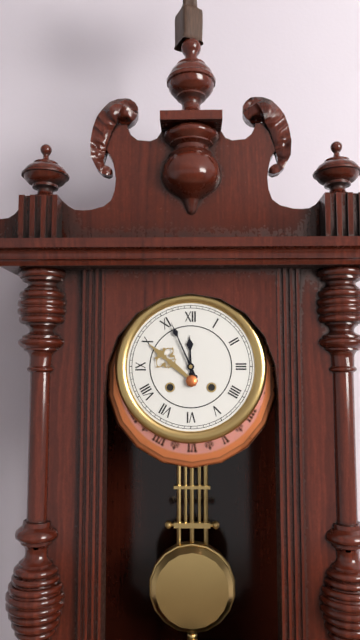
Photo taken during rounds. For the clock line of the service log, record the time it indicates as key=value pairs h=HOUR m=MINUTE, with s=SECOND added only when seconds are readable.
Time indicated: h=11 m=56
